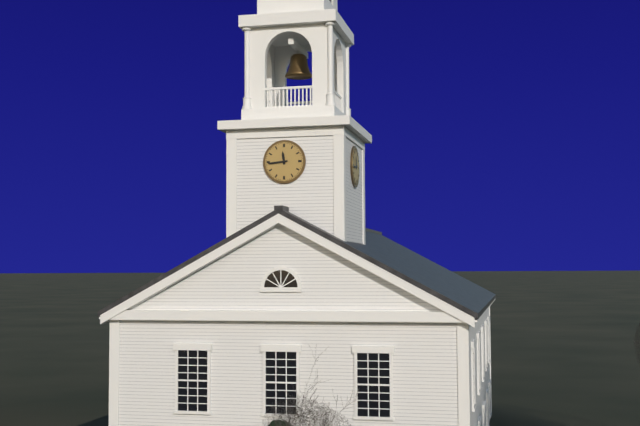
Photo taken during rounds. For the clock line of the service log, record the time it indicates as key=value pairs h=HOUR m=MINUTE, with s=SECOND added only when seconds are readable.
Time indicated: h=11 m=44
